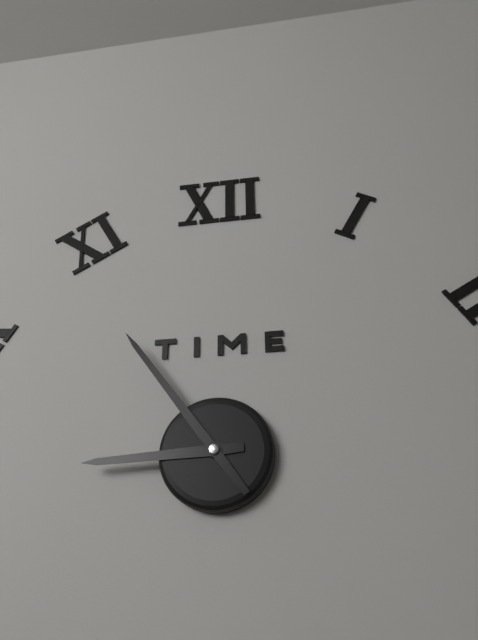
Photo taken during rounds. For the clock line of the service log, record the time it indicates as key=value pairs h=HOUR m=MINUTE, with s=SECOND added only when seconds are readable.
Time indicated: h=8 m=54
